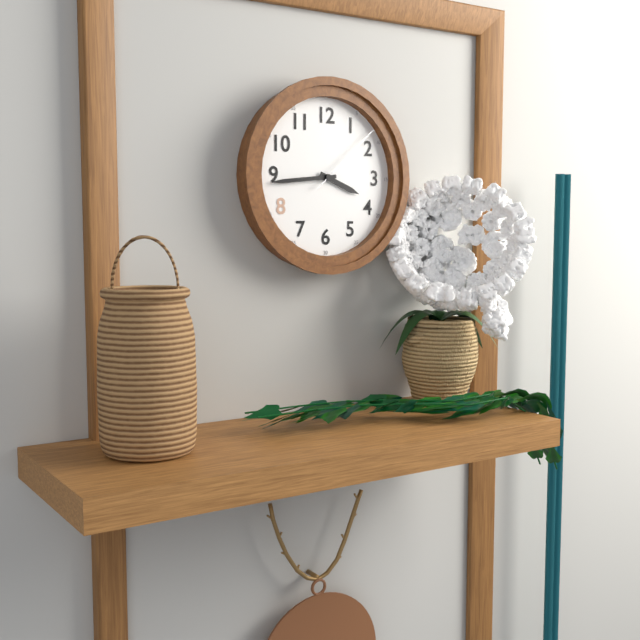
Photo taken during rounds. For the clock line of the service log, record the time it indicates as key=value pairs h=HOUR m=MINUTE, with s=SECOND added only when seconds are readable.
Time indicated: h=3 m=44 s=8
